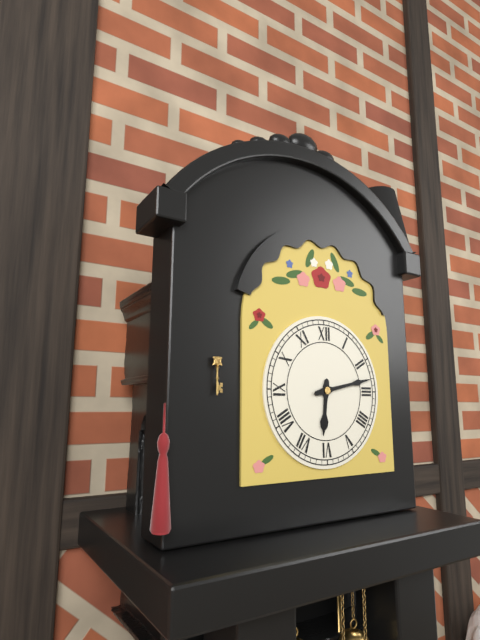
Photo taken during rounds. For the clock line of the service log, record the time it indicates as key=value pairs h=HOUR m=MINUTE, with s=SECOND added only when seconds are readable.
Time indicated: h=6 m=13
